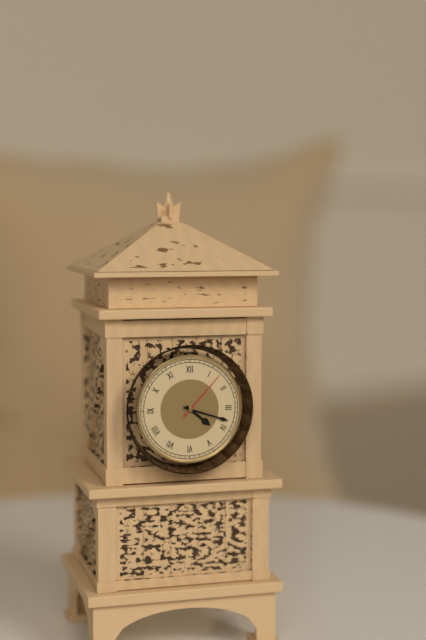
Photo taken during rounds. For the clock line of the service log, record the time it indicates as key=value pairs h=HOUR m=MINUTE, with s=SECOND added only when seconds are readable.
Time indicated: h=4 m=18 s=7
